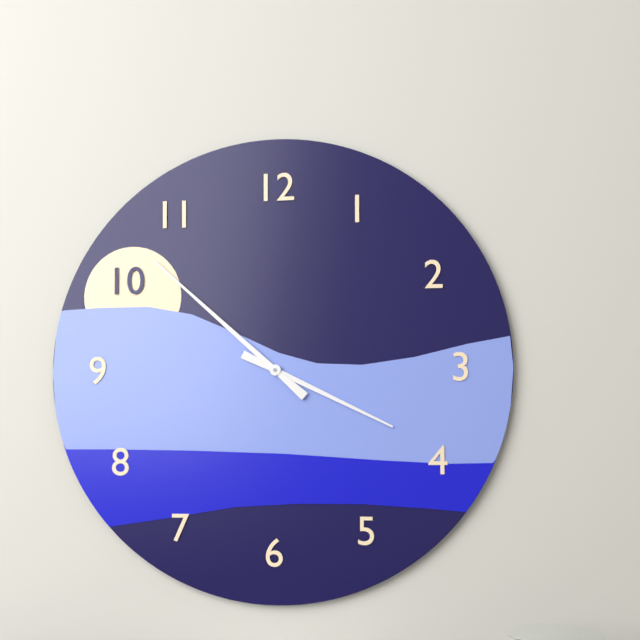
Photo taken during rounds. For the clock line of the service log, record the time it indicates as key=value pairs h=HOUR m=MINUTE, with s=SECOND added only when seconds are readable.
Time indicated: h=3 m=52
